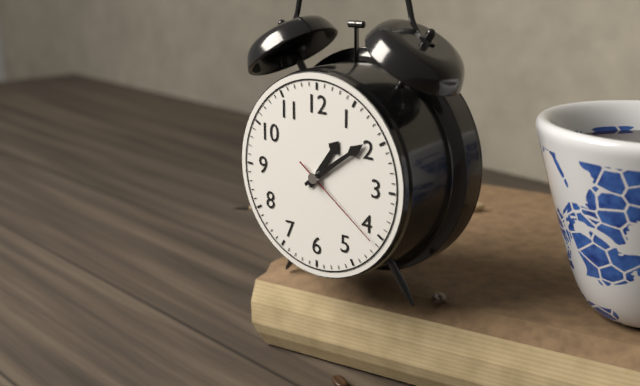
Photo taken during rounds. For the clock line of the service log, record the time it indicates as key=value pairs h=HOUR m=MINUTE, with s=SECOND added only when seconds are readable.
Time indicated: h=1 m=9 s=21
